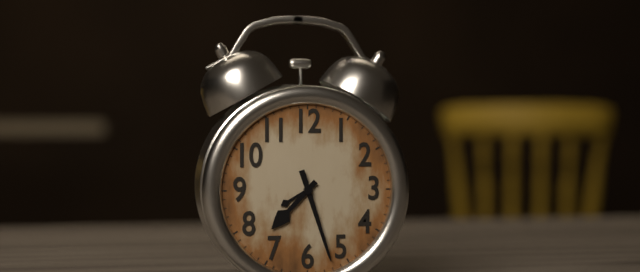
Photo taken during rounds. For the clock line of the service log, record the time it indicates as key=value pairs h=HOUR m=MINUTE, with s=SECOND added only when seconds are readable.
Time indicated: h=7 m=27
